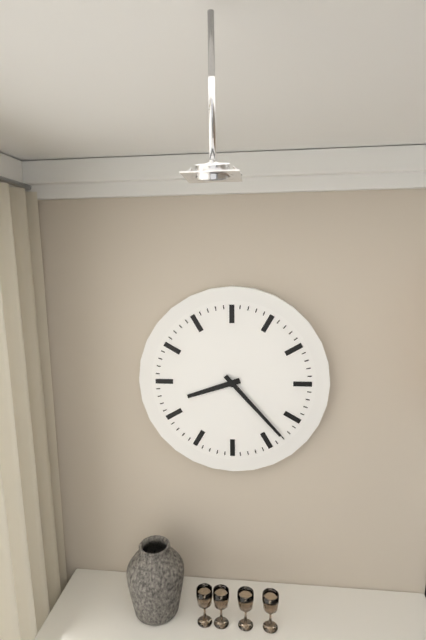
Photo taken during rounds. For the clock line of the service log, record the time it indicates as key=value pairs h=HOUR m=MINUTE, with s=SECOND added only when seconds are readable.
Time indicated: h=8 m=23
